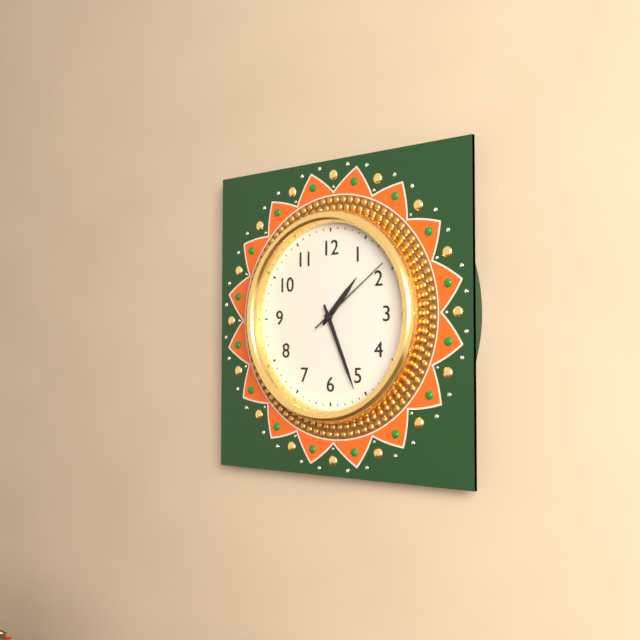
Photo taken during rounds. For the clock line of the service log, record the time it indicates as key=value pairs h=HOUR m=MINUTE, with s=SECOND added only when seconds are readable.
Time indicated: h=1 m=26 s=9
